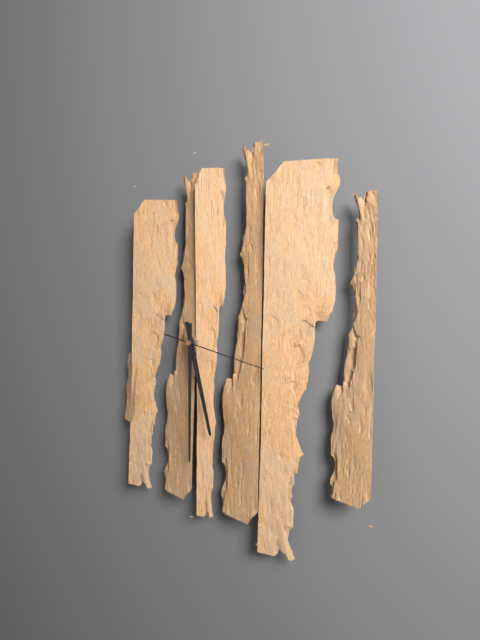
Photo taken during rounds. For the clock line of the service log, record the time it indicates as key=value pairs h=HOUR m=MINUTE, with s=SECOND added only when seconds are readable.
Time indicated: h=5 m=30 s=17
